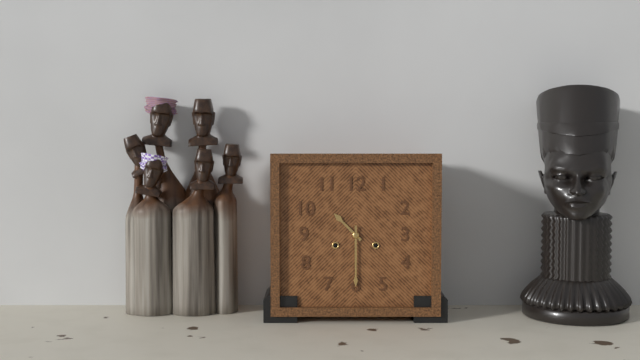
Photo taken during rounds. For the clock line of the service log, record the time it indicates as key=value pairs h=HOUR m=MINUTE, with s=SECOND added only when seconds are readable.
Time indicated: h=10 m=30
